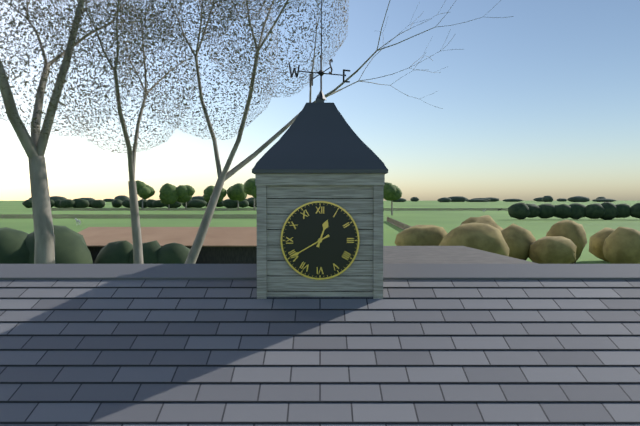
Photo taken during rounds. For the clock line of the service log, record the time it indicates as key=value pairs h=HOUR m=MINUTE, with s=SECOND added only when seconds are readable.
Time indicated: h=12 m=40
